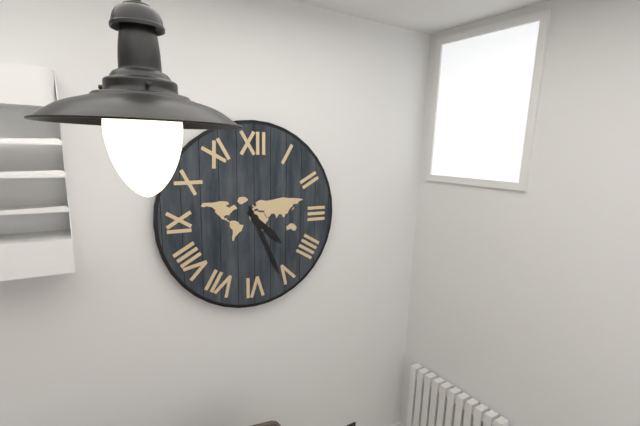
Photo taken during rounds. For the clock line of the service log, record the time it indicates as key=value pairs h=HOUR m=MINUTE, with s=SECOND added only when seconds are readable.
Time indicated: h=4 m=26
